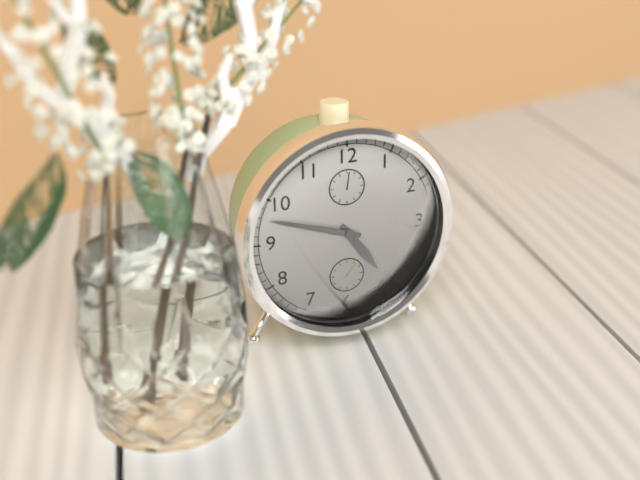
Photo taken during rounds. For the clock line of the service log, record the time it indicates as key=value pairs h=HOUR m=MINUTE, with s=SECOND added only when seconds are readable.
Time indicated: h=4 m=48
